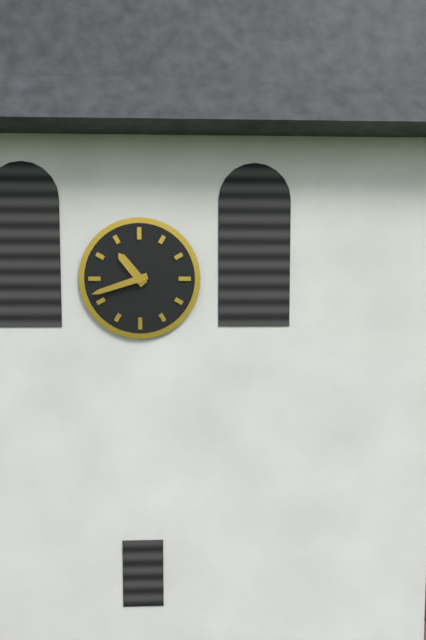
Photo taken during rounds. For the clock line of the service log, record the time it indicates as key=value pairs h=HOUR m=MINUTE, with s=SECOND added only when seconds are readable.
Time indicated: h=10 m=42
